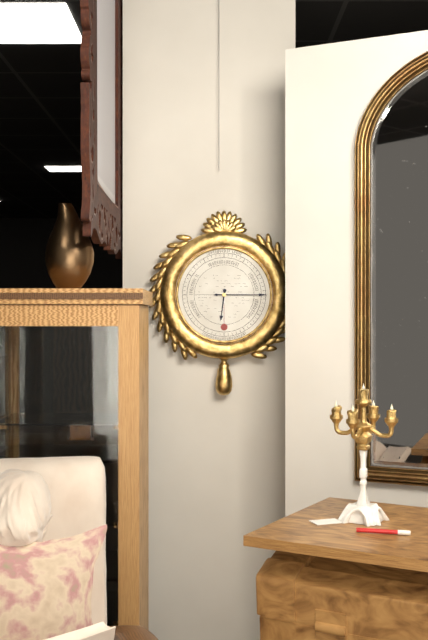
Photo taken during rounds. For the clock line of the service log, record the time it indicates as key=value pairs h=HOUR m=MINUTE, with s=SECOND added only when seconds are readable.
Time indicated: h=6 m=15
